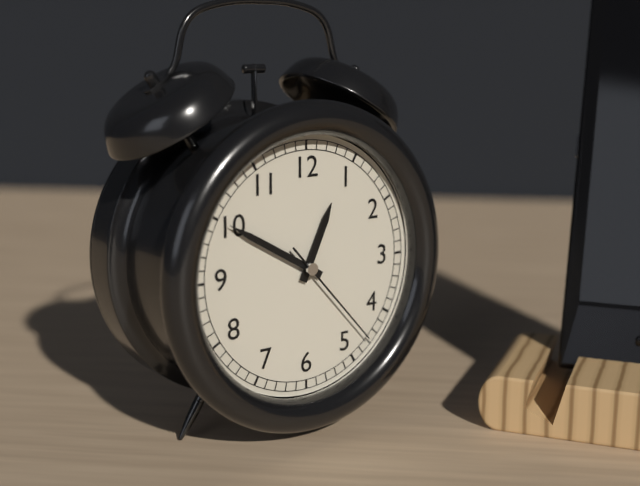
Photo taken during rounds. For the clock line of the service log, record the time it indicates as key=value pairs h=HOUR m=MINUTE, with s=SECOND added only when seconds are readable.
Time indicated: h=12 m=50 s=23
